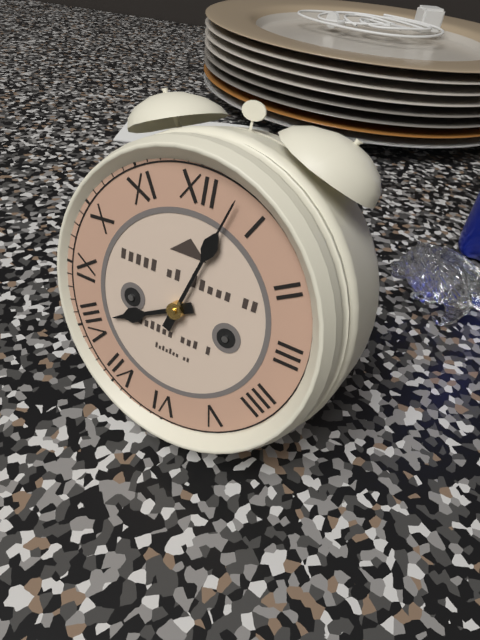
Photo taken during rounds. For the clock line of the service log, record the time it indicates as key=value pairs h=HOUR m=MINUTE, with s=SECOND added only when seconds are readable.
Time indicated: h=8 m=3
